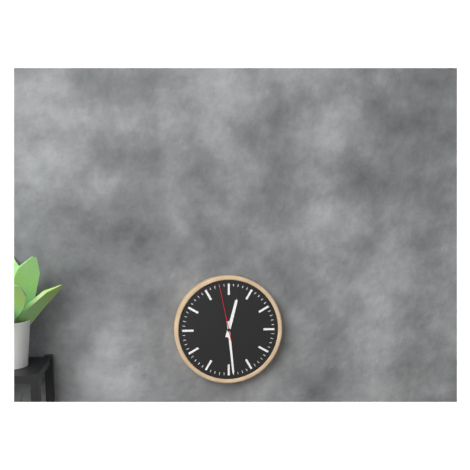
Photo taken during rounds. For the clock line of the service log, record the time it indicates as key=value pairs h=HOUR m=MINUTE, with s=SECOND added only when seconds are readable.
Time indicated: h=12 m=29 s=58
